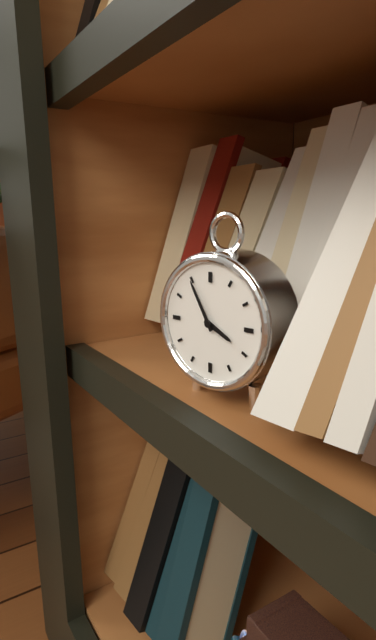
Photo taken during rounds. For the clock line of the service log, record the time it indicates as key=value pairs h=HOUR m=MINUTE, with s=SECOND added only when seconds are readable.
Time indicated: h=3 m=55
